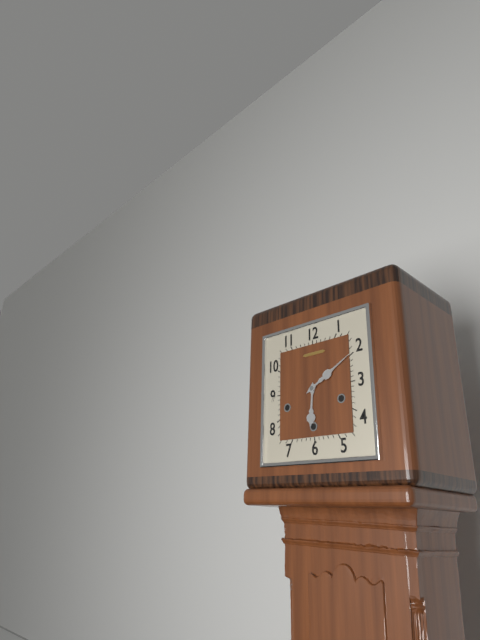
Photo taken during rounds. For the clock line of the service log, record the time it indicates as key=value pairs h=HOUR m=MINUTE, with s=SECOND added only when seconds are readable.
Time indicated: h=6 m=10
